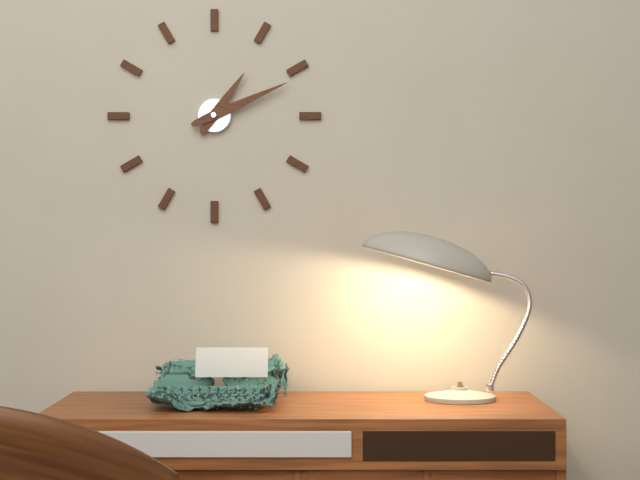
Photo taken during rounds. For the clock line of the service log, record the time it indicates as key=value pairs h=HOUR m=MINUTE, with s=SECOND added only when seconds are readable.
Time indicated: h=1 m=11
